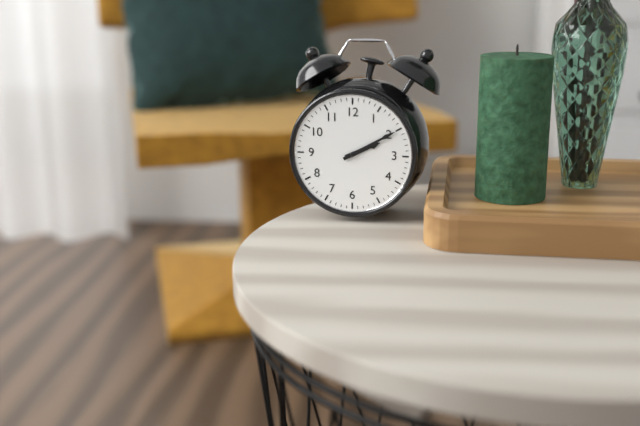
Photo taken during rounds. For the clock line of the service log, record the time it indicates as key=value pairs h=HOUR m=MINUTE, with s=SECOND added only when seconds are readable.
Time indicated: h=2 m=10
